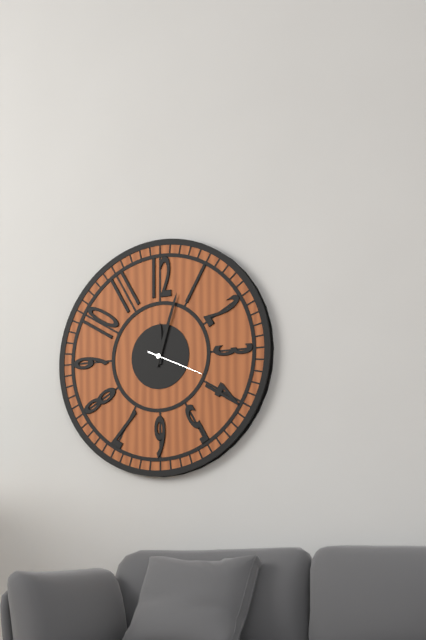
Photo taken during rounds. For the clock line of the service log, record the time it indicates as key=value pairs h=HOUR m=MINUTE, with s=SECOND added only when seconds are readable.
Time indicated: h=12 m=3 s=19
